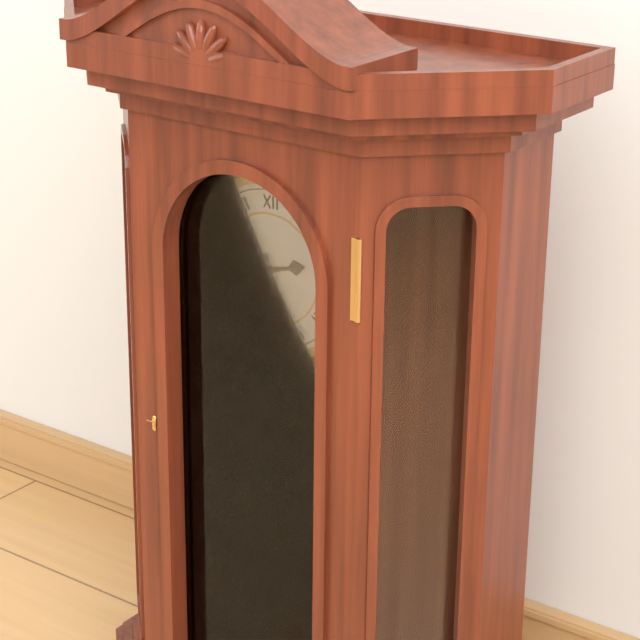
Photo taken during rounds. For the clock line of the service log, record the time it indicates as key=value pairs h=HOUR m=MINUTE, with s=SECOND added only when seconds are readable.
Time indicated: h=2 m=28
